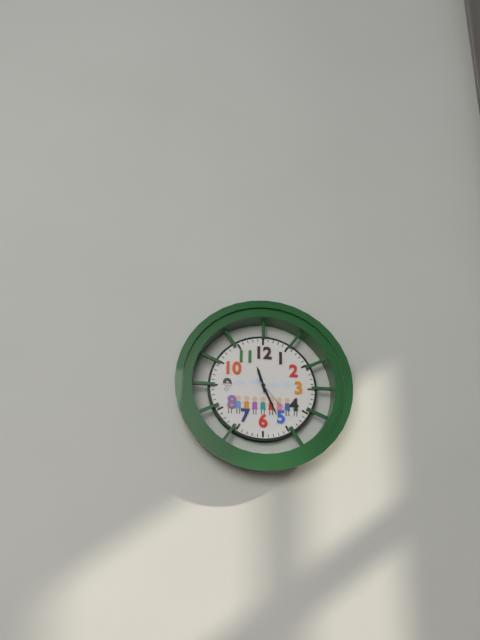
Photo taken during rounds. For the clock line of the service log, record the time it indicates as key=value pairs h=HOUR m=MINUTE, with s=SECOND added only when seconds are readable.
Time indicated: h=11 m=26 s=23
